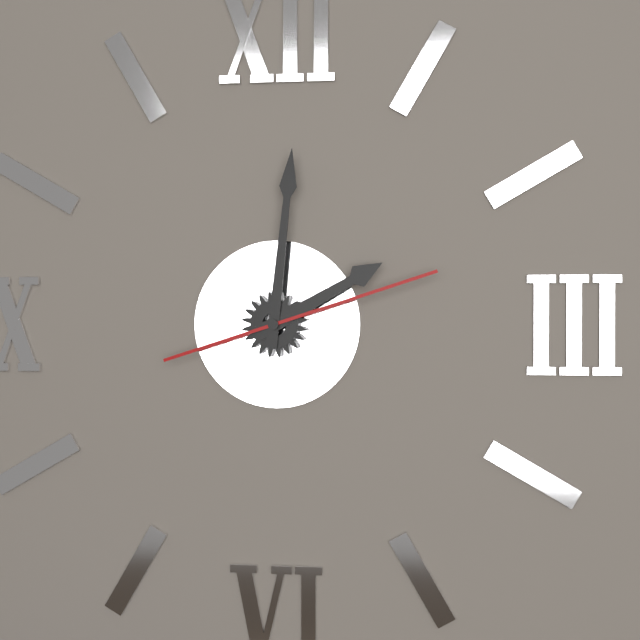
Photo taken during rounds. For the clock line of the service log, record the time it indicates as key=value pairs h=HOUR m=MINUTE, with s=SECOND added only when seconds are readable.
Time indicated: h=2 m=1 s=12
